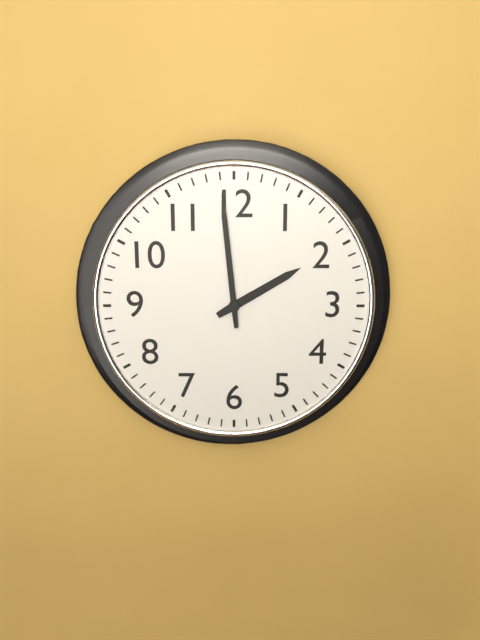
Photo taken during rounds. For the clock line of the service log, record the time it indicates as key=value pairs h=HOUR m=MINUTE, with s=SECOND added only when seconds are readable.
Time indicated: h=1 m=59
